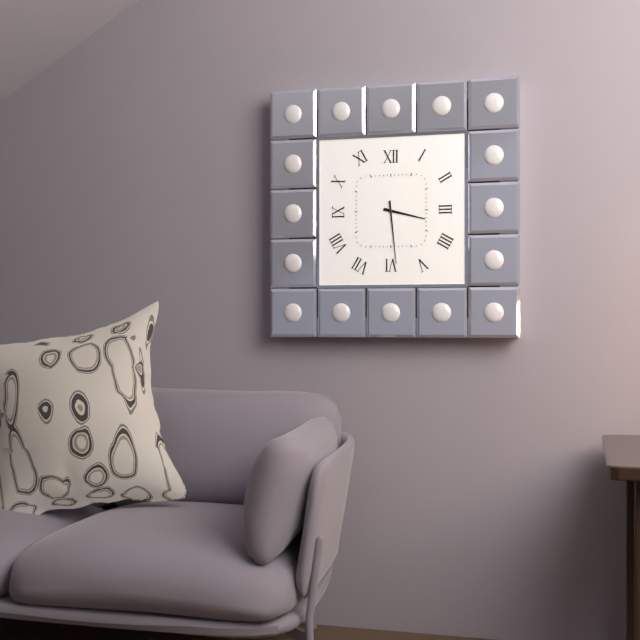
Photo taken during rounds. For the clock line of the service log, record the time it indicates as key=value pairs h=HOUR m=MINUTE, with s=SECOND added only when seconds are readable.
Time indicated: h=3 m=29
